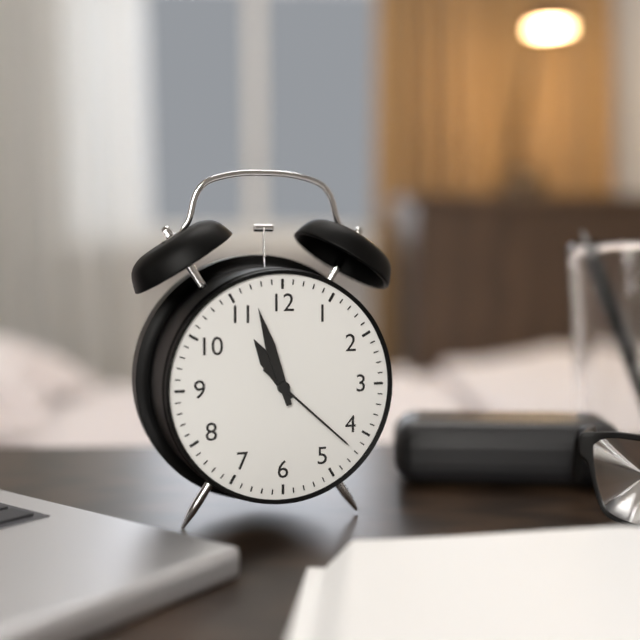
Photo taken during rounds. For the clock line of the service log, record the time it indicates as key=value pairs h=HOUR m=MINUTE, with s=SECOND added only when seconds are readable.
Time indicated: h=10 m=57 s=22
